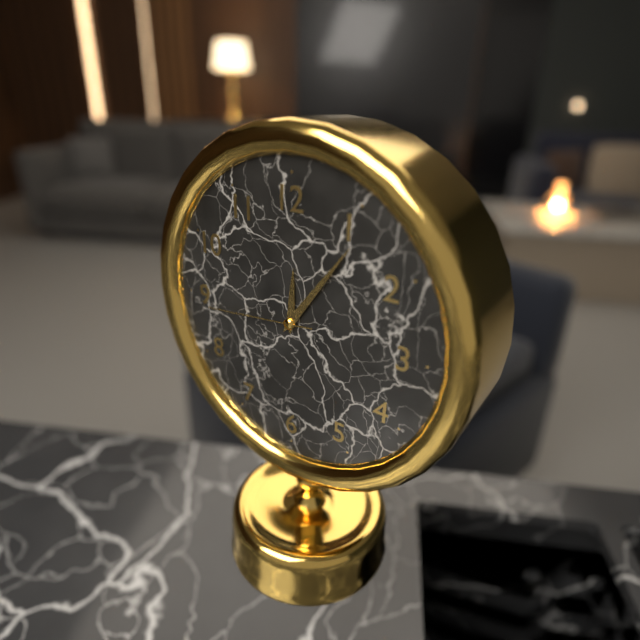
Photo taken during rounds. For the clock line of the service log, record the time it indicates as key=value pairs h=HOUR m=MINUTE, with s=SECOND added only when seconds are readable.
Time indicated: h=12 m=6 s=44
